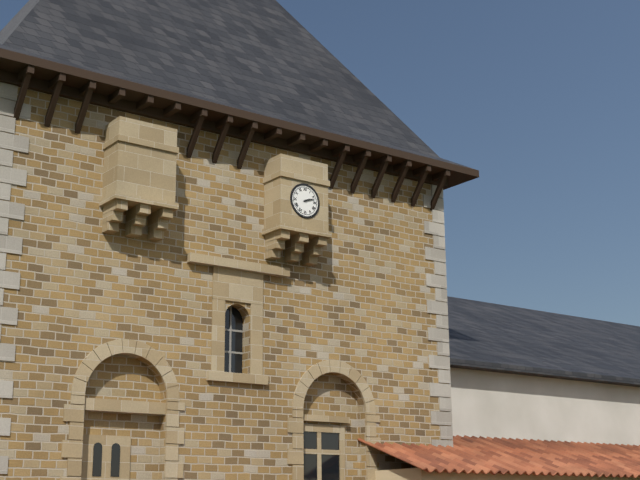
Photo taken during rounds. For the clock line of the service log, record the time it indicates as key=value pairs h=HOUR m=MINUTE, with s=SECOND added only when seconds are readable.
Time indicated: h=2 m=12
